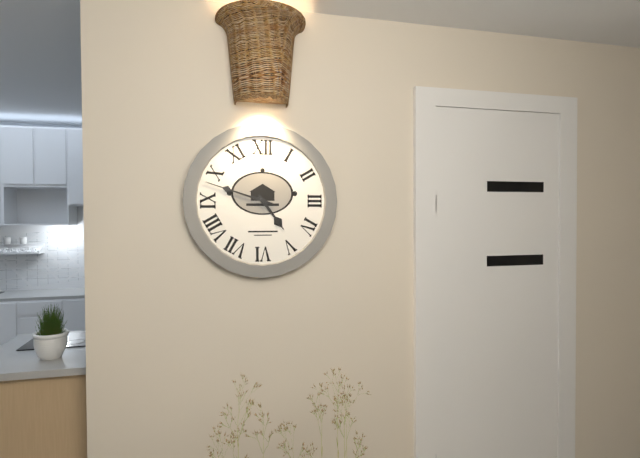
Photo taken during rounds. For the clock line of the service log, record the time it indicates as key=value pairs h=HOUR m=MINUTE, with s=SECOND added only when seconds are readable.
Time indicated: h=4 m=48
